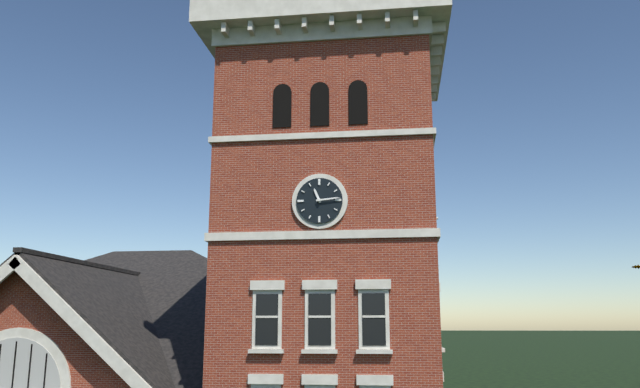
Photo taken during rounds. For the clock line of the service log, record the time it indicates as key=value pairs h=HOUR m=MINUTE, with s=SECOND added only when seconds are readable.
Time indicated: h=11 m=14
